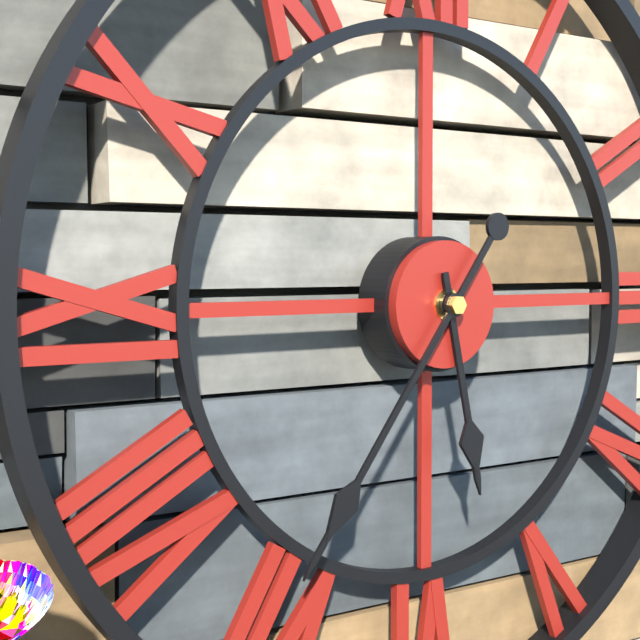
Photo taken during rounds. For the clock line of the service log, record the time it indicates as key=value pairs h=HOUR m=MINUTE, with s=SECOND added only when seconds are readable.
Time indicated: h=5 m=36
